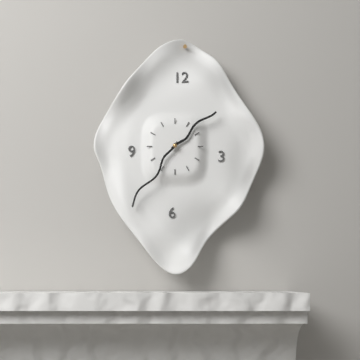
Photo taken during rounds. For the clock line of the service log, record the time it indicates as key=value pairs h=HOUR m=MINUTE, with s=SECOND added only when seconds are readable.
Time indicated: h=1 m=36
